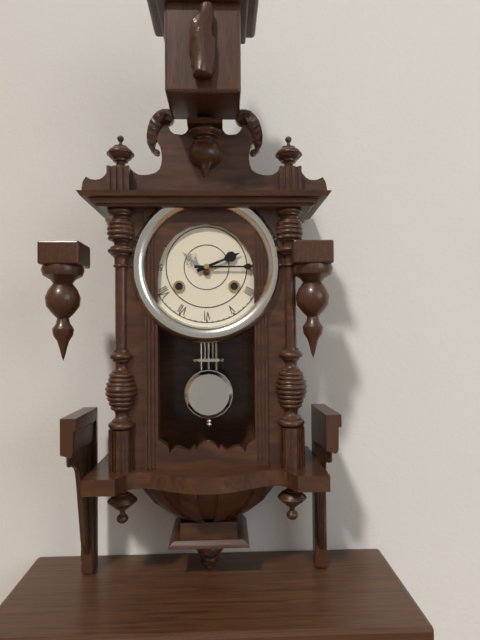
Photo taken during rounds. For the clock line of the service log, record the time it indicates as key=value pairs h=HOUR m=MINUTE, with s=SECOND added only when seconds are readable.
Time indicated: h=2 m=15
